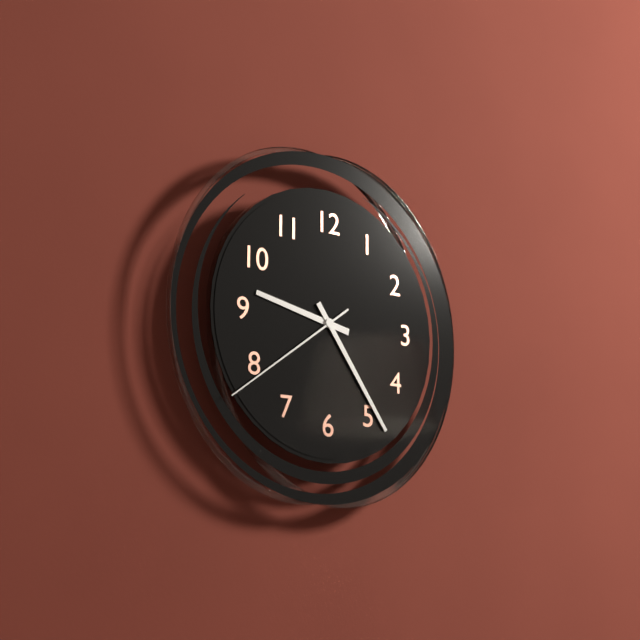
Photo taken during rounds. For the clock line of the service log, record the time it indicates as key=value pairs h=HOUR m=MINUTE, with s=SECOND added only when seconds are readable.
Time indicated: h=9 m=24 s=39
